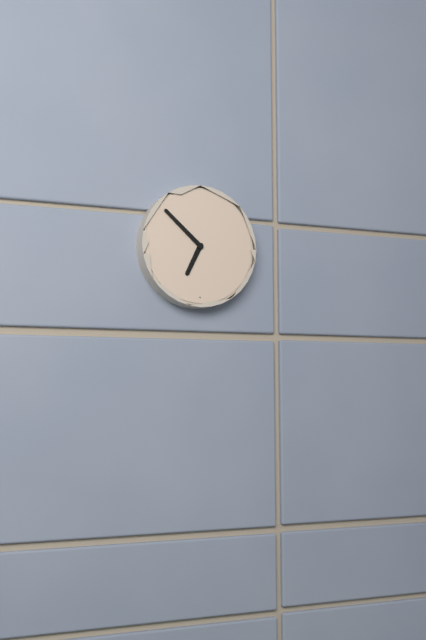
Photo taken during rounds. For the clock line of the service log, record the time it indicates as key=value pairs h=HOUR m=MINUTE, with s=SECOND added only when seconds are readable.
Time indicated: h=6 m=52
